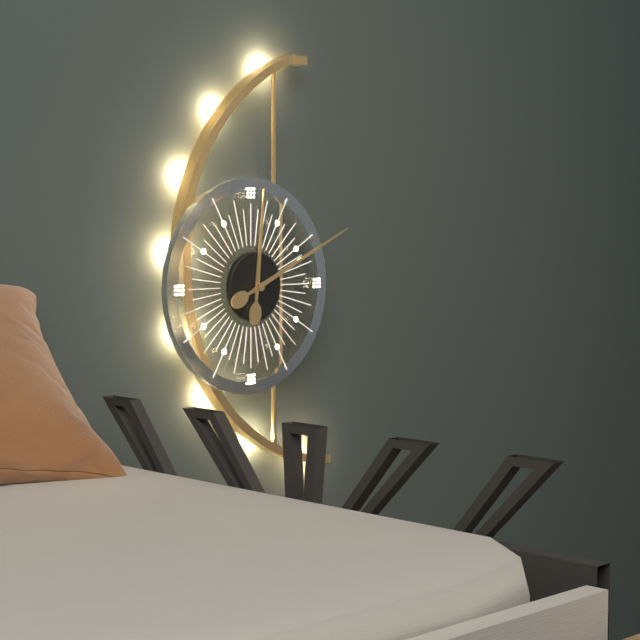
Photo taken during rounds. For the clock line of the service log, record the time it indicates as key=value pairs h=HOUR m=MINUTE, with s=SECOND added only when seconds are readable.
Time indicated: h=12 m=11
